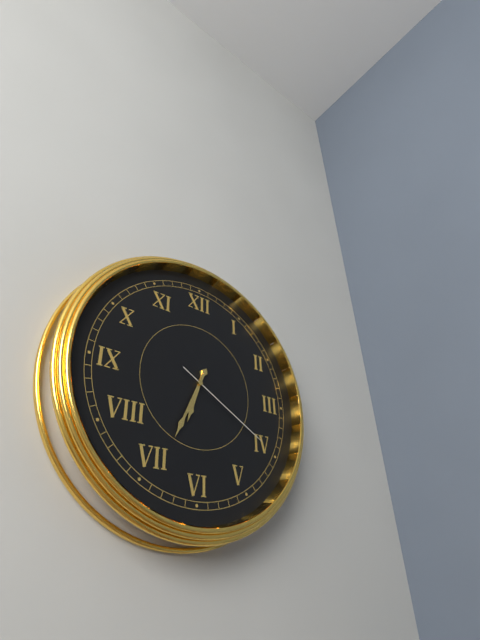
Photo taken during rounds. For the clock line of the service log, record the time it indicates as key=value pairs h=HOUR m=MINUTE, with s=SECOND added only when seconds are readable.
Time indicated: h=6 m=34 s=20
